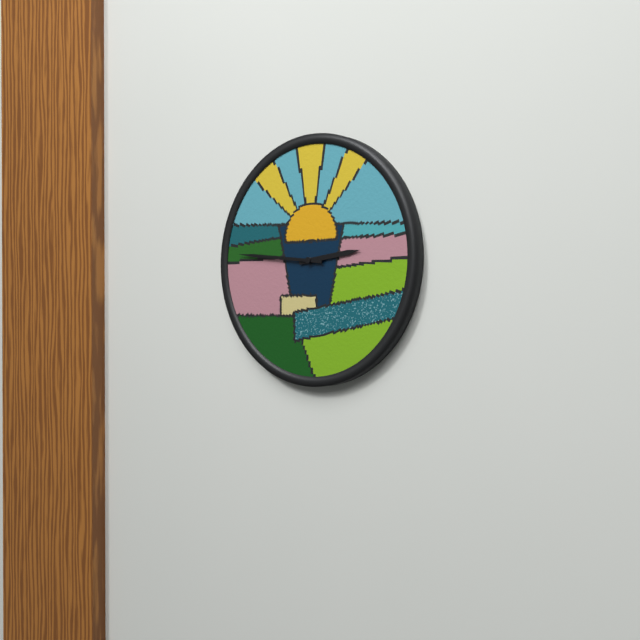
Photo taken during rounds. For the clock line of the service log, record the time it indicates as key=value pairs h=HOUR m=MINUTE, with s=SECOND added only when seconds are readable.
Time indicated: h=2 m=46
